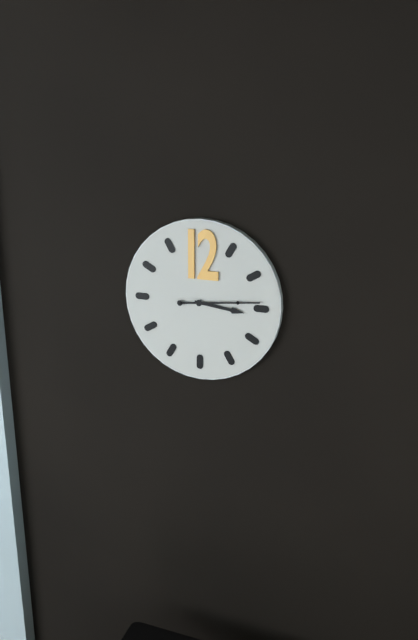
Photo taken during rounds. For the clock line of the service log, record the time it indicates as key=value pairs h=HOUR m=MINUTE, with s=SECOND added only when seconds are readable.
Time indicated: h=3 m=14
